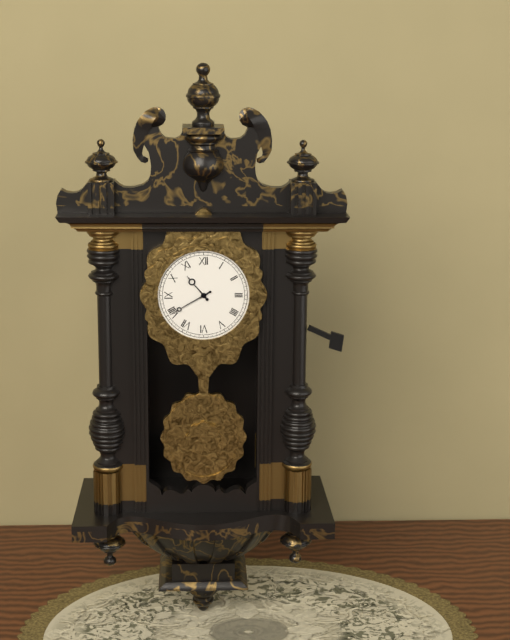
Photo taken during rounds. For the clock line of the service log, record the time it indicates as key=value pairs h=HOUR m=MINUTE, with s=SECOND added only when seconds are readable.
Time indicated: h=10 m=40
